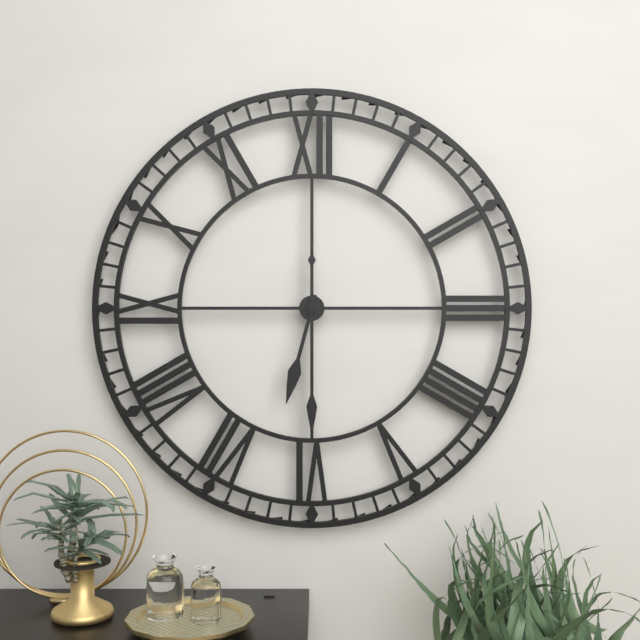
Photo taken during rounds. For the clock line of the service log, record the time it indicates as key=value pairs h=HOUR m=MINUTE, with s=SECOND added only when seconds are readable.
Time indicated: h=6 m=30
